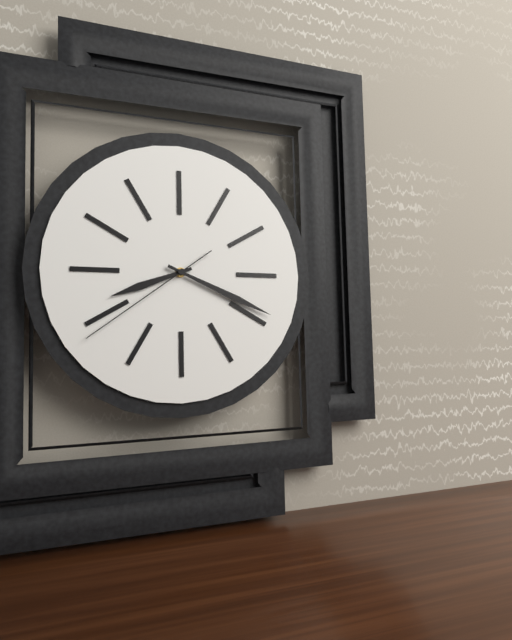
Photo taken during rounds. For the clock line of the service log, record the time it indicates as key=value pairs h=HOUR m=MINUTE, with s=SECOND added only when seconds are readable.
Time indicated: h=8 m=19 s=39
